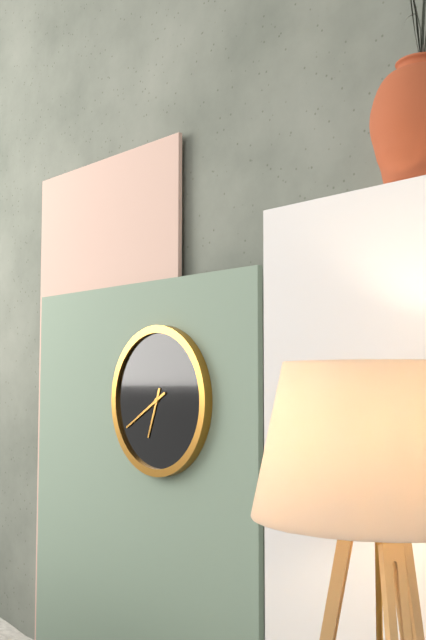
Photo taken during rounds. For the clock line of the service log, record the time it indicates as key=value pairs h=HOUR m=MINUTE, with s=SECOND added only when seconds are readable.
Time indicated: h=6 m=40
